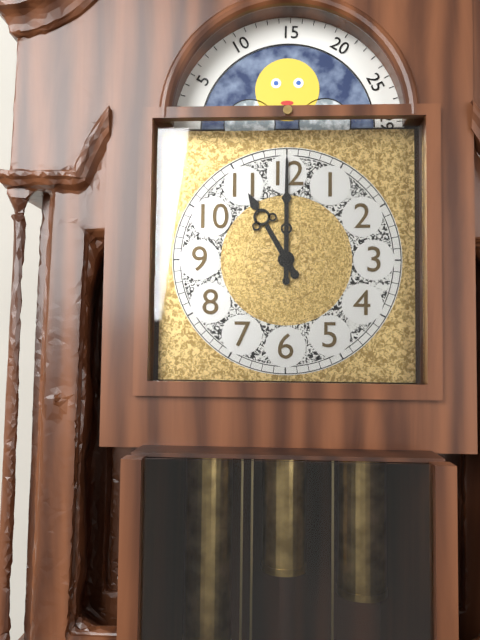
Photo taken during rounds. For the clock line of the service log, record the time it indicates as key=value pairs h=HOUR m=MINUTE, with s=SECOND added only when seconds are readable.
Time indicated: h=11 m=0
